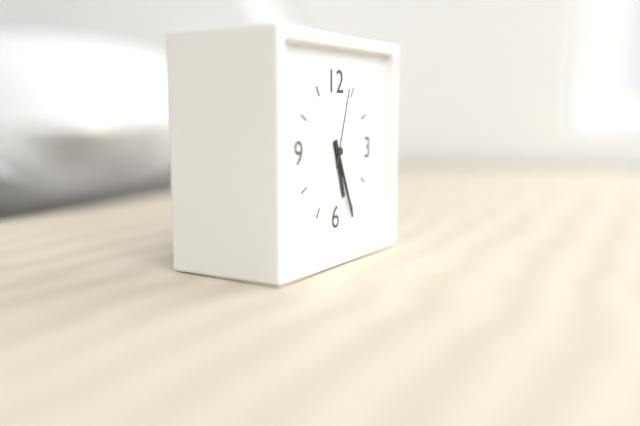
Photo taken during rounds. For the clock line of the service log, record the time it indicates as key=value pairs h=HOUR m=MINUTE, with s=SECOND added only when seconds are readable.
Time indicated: h=5 m=26 s=3
